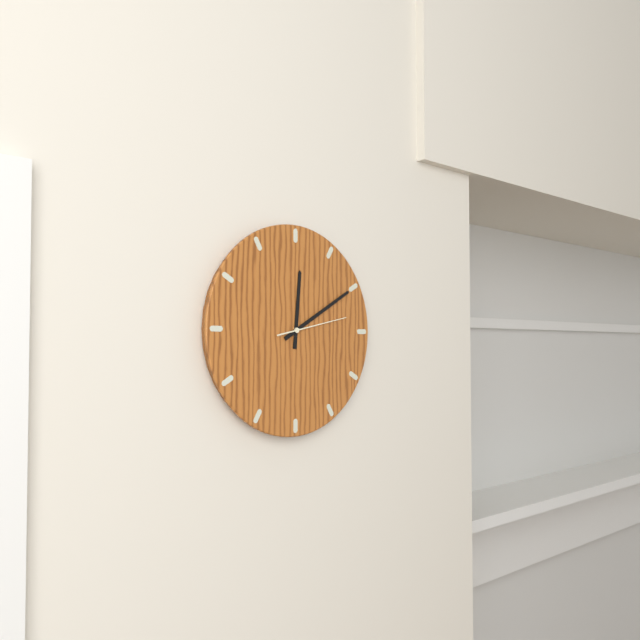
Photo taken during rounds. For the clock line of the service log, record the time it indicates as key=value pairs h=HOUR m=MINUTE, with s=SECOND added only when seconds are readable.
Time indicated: h=12 m=10 s=13
